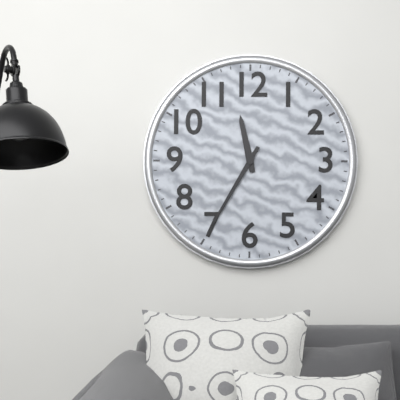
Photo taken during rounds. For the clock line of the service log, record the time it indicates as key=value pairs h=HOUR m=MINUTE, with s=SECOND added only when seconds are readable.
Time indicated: h=11 m=35
